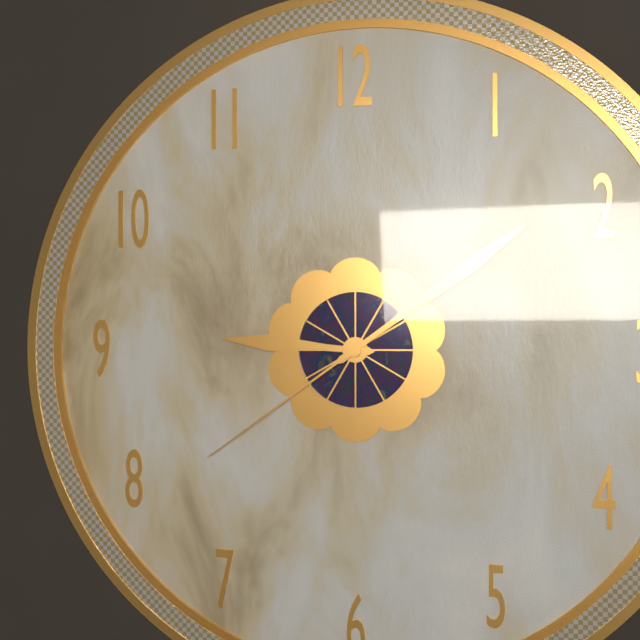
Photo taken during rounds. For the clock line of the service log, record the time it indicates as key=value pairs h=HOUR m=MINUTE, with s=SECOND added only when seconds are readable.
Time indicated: h=9 m=9 s=39
